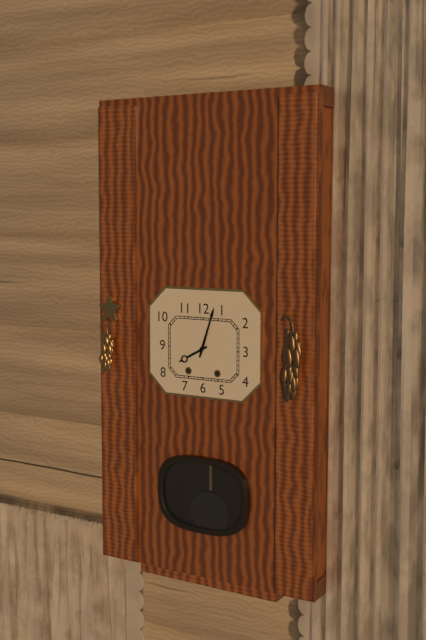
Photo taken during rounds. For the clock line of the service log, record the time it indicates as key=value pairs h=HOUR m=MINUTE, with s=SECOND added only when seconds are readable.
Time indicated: h=8 m=3
